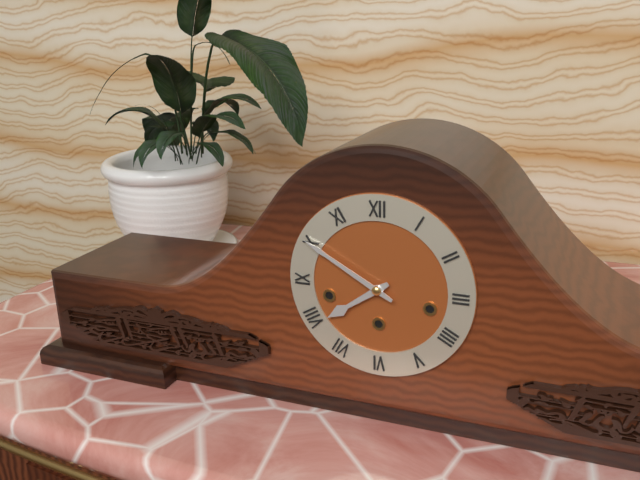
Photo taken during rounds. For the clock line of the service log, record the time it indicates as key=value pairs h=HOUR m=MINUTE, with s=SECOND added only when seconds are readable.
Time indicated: h=7 m=50
